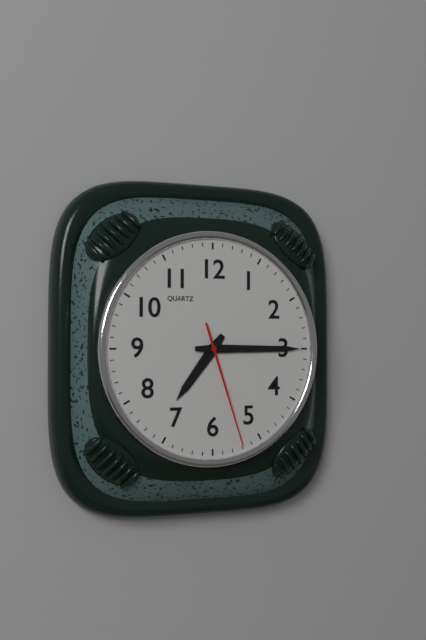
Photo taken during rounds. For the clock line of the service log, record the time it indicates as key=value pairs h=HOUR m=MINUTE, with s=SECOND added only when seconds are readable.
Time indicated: h=7 m=15 s=27
